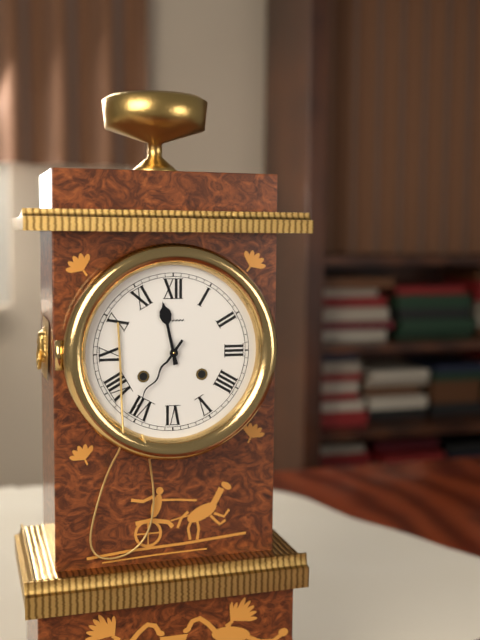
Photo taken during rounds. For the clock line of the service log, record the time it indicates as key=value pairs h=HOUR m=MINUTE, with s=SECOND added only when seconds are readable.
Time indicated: h=11 m=36
